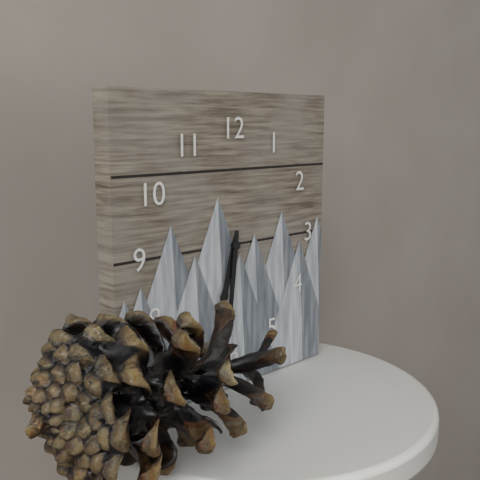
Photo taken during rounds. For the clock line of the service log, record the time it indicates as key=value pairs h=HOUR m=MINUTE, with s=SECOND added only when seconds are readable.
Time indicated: h=6 m=31
